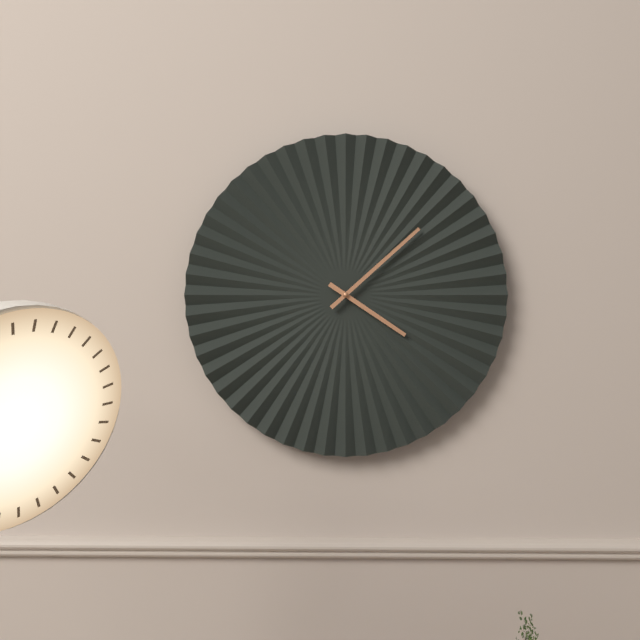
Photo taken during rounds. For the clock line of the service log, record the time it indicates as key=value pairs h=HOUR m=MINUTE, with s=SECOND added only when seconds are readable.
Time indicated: h=4 m=8
